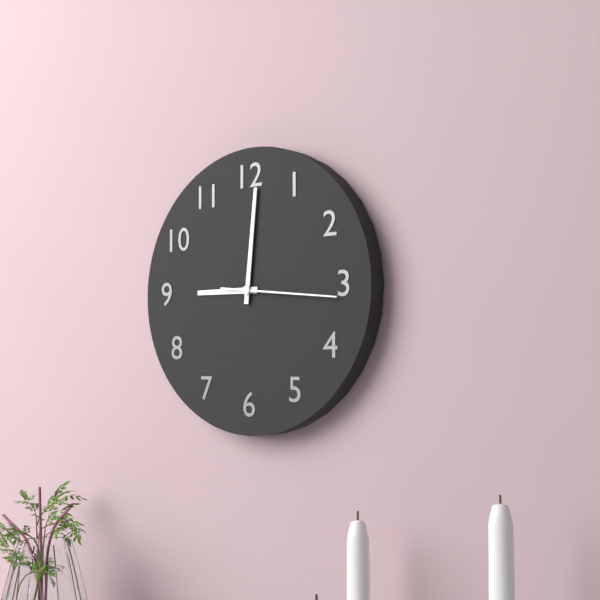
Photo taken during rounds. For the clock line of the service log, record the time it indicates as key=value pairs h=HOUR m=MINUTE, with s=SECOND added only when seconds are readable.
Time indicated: h=9 m=1 s=16
